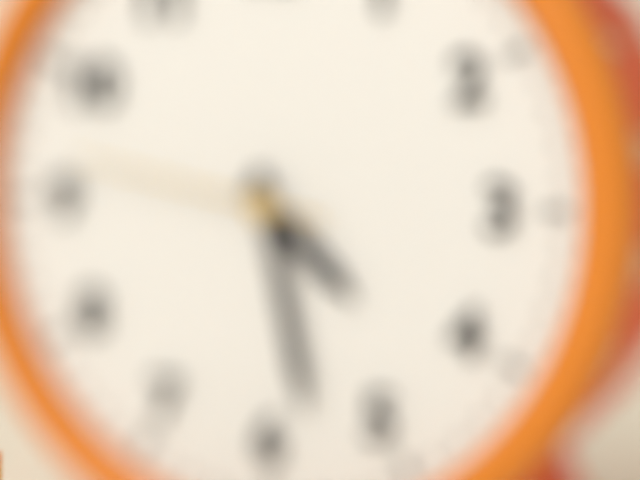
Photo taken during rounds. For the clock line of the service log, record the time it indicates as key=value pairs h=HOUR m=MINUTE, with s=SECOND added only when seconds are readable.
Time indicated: h=4 m=28 s=47
